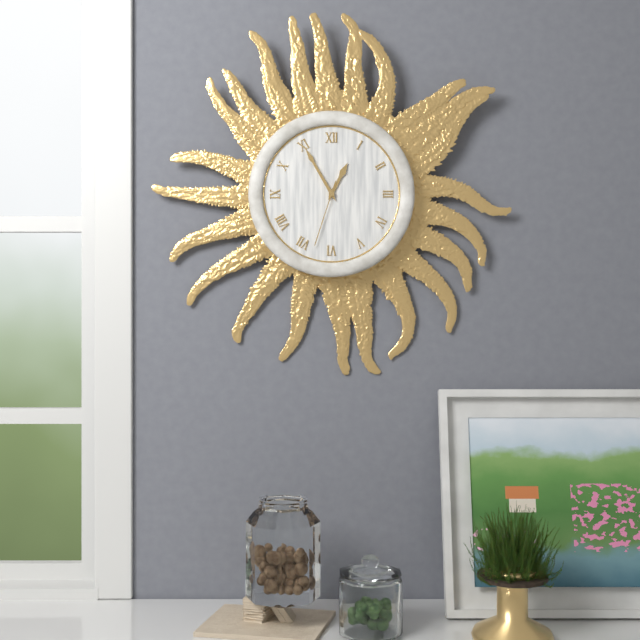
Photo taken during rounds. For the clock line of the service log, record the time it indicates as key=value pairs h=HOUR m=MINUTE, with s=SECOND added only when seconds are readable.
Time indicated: h=12 m=55 s=33
